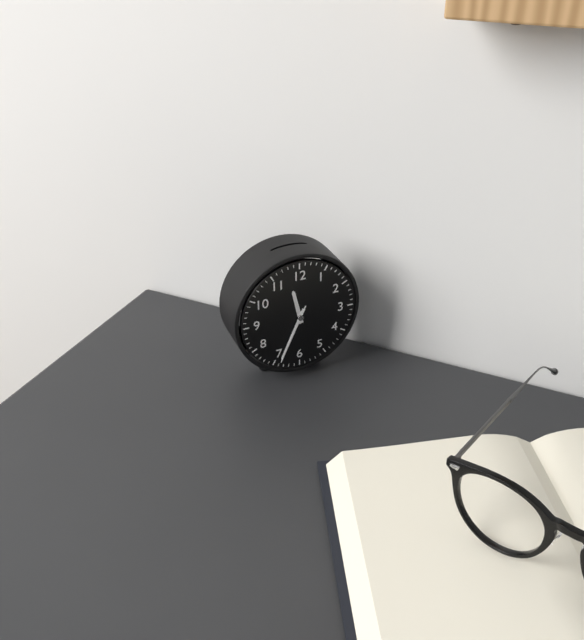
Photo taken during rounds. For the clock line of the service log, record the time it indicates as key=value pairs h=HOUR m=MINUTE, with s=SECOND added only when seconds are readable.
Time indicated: h=11 m=34 s=34
